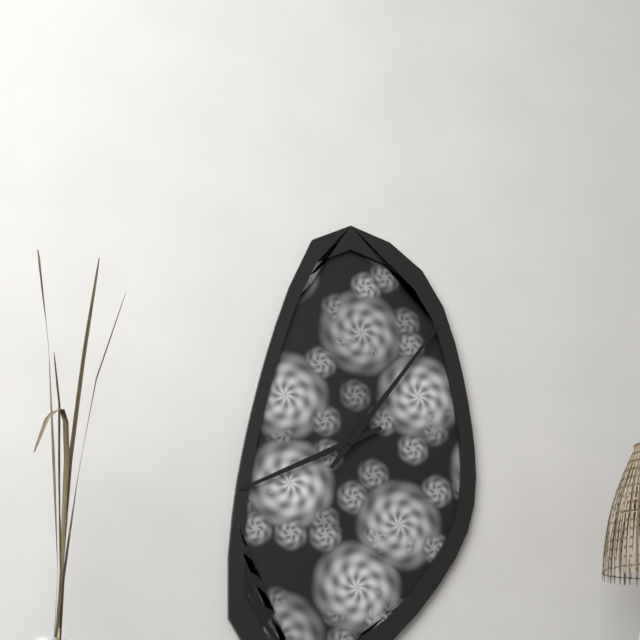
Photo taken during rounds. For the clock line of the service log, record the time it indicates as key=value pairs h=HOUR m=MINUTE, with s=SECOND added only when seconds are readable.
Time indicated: h=8 m=6
